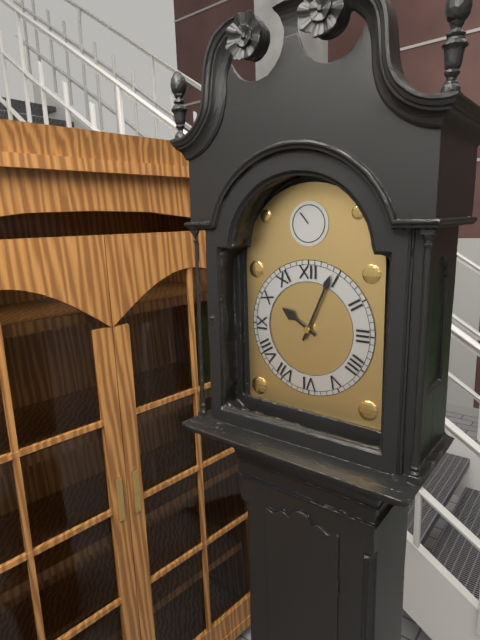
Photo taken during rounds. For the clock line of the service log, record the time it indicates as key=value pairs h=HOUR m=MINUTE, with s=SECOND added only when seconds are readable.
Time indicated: h=10 m=4
